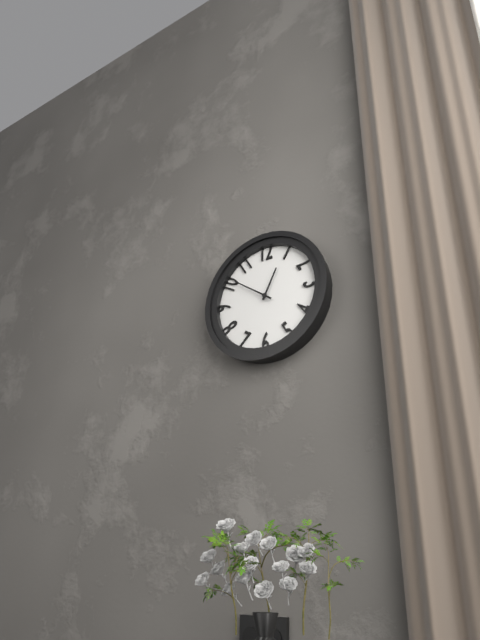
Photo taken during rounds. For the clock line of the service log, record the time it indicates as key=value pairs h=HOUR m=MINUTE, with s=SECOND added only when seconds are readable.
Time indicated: h=12 m=51
